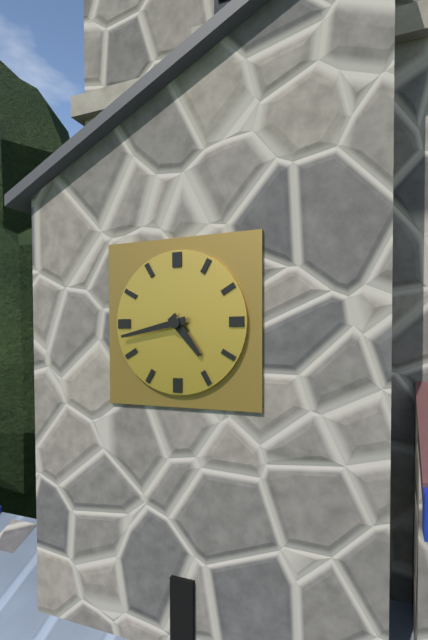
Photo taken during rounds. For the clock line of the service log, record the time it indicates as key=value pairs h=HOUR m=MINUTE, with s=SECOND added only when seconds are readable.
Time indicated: h=4 m=43
